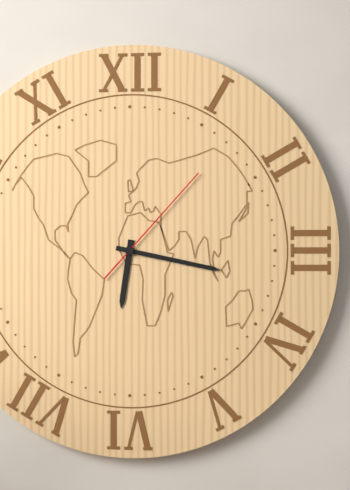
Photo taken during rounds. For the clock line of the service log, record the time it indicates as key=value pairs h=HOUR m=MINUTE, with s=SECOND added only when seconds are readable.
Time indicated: h=6 m=17 s=7
